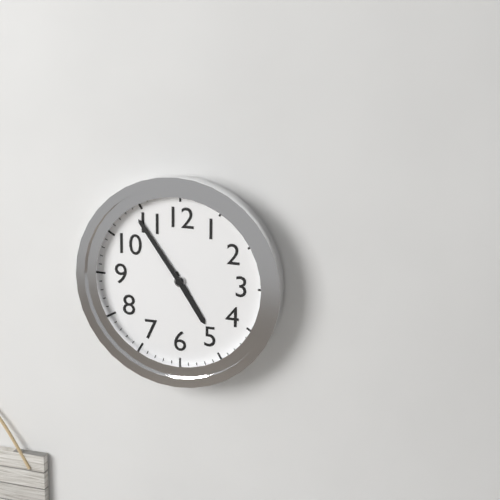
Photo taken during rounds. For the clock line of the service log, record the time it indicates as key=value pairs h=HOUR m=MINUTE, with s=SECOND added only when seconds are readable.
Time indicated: h=4 m=54
